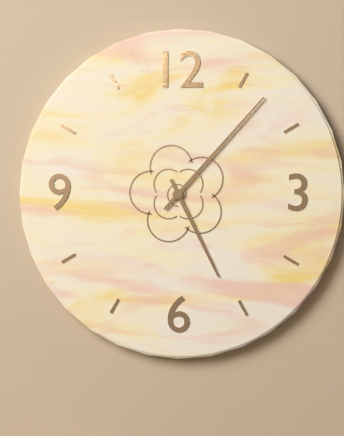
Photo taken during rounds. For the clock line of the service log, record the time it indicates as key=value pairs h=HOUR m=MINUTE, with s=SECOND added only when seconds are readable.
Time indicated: h=5 m=7
